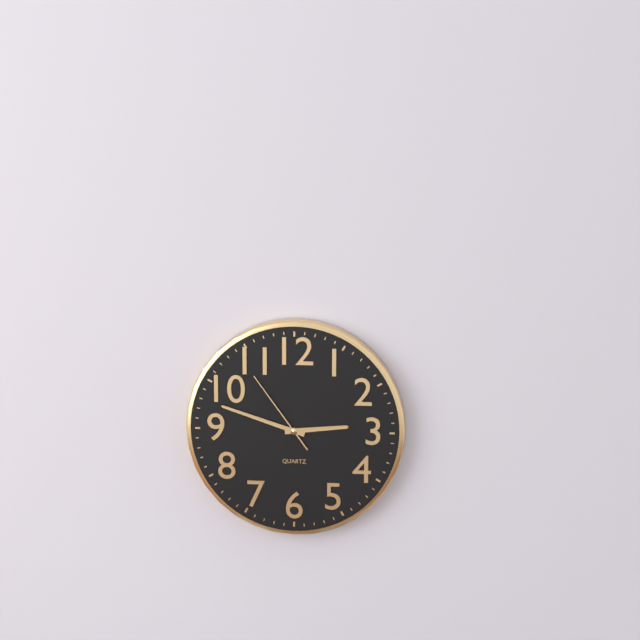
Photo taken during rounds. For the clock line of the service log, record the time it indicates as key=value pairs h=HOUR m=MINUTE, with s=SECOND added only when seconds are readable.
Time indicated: h=2 m=48 s=54
